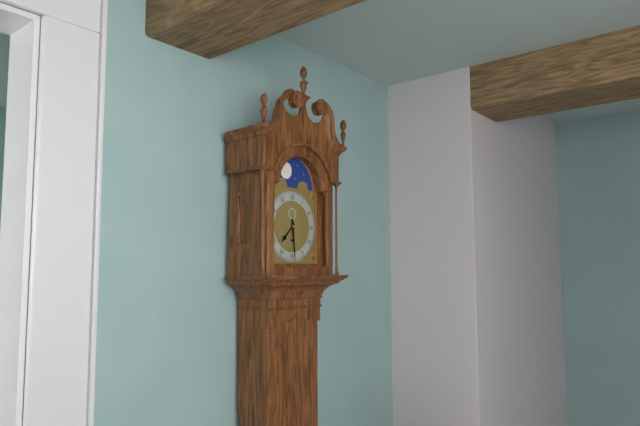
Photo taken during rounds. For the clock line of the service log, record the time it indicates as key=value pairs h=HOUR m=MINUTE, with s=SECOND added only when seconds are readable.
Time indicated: h=7 m=29
